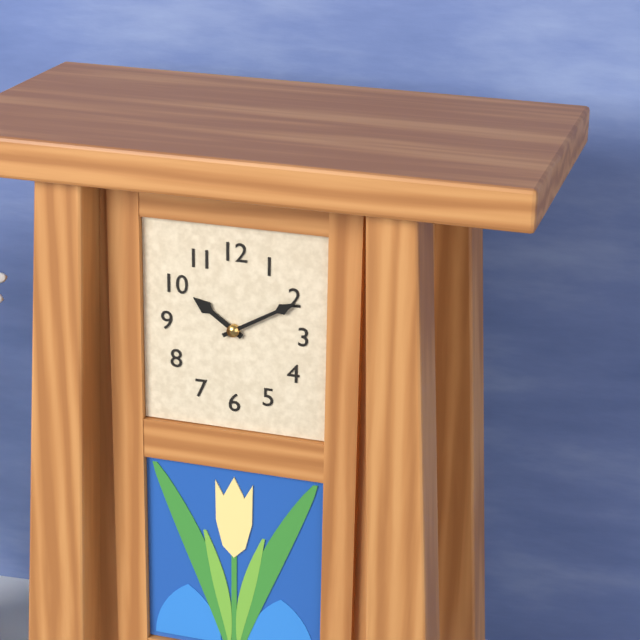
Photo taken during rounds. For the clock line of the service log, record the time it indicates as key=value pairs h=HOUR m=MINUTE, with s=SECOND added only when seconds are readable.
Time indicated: h=10 m=10
